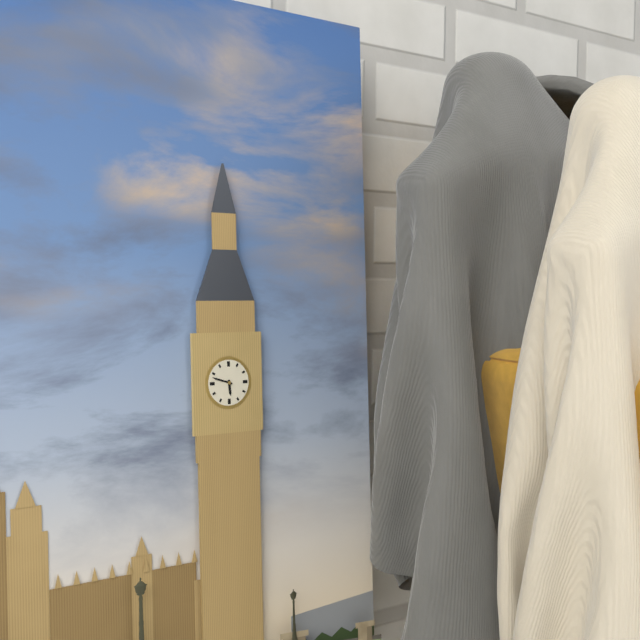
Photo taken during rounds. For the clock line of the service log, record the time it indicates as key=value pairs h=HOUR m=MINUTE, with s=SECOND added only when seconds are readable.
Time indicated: h=5 m=48
